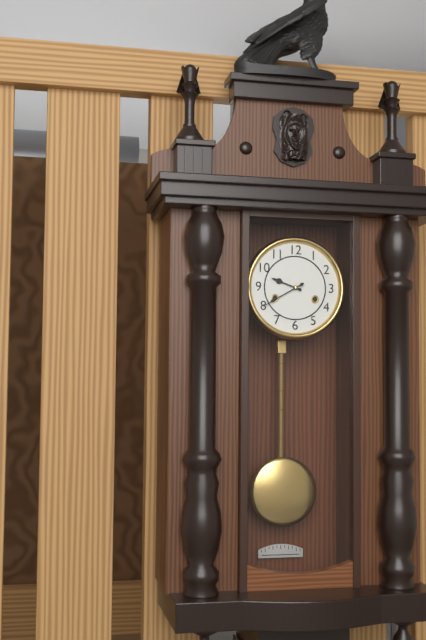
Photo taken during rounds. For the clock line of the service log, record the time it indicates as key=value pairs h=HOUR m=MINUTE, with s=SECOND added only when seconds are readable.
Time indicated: h=9 m=40
